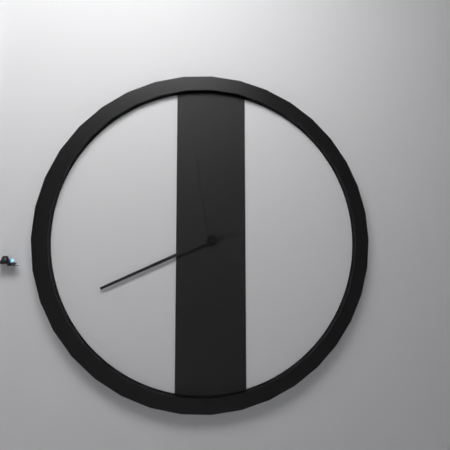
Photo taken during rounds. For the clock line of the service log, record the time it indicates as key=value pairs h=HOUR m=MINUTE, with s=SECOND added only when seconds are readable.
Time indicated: h=11 m=41
